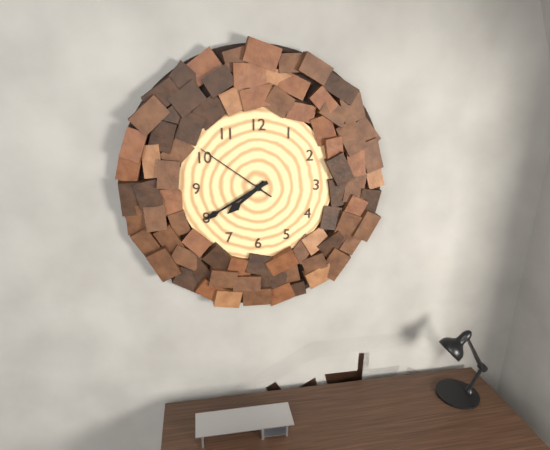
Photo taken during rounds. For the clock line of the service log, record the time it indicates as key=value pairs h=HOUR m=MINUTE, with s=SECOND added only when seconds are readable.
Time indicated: h=7 m=40 s=51
